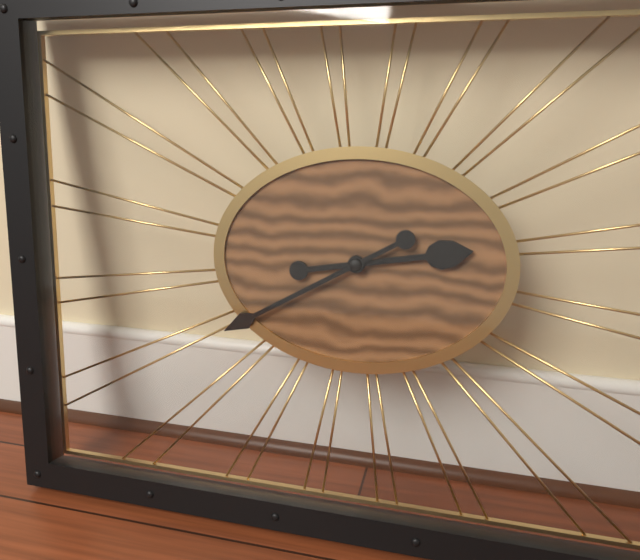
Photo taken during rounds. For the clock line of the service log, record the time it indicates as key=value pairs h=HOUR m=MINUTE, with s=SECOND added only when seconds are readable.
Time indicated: h=2 m=40
